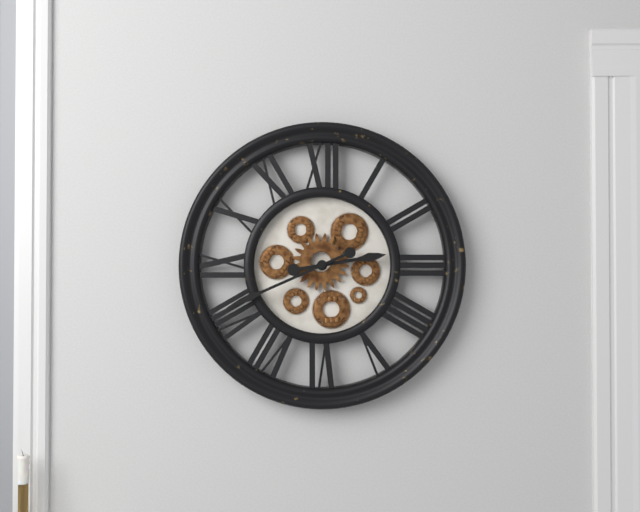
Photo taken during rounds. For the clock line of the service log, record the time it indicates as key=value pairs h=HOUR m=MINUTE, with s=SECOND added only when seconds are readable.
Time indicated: h=2 m=41
